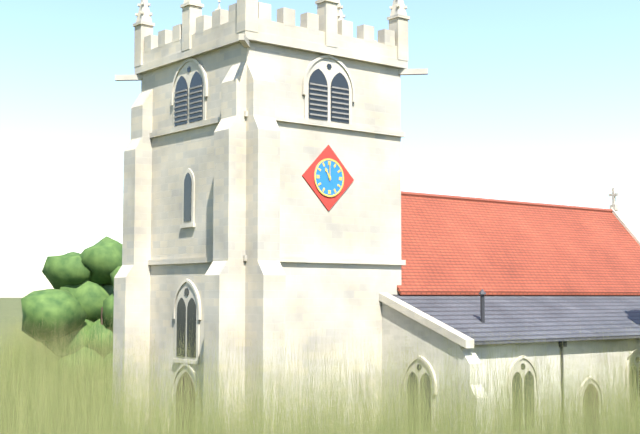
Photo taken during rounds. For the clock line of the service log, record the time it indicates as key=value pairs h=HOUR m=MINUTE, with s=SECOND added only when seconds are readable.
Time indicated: h=11 m=0
